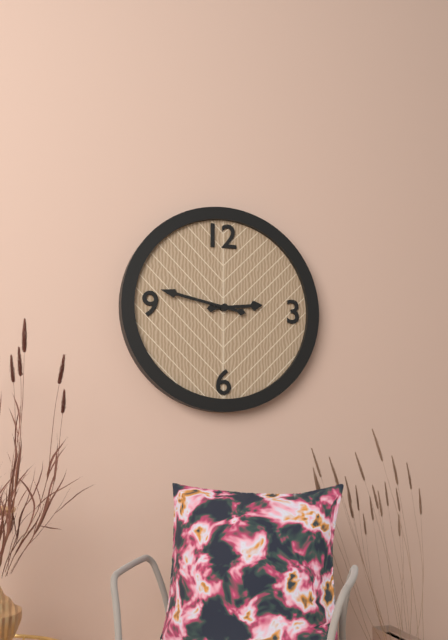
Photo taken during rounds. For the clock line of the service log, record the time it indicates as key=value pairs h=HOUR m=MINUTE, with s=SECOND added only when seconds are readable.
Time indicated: h=2 m=47
